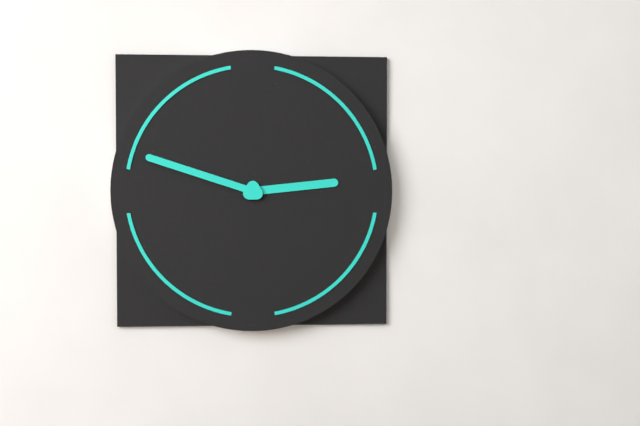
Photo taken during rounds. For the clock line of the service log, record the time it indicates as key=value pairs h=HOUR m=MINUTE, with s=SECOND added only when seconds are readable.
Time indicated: h=2 m=48
